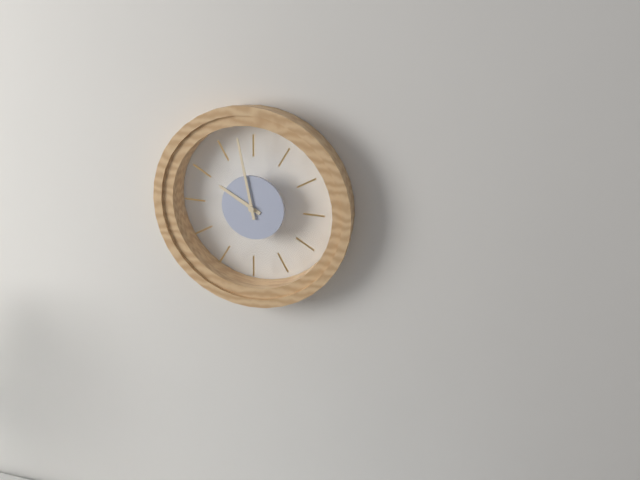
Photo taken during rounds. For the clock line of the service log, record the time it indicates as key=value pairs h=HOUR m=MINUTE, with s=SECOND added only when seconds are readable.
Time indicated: h=9 m=58
